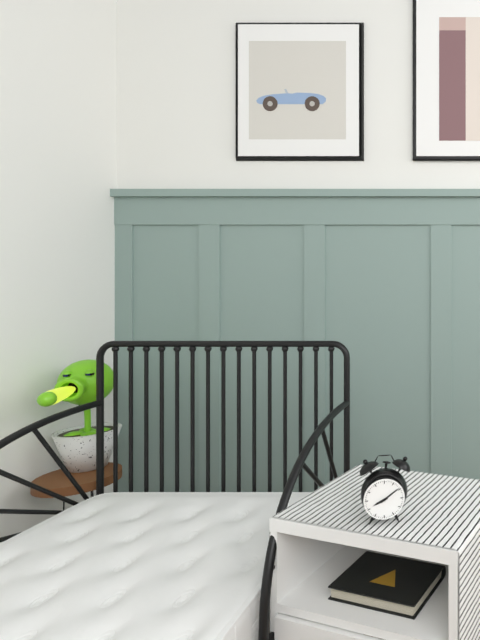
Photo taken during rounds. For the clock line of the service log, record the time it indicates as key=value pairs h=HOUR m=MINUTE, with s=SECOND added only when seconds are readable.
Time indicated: h=8 m=9
